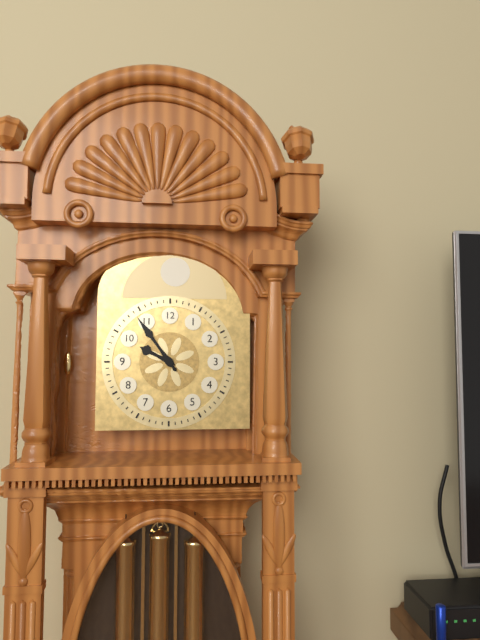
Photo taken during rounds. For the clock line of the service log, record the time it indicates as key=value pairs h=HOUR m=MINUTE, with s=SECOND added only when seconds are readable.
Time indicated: h=9 m=54
